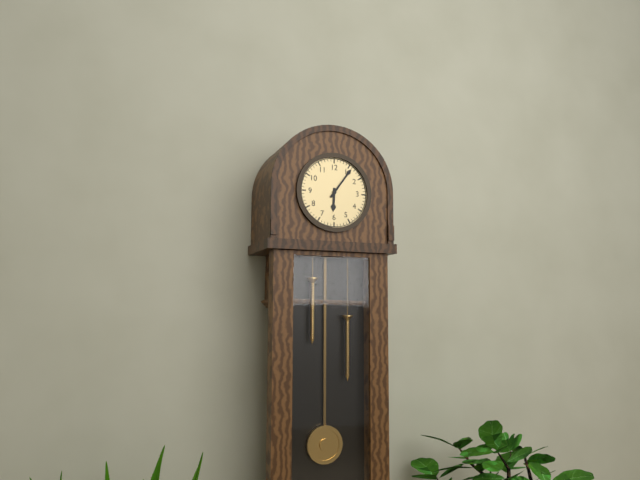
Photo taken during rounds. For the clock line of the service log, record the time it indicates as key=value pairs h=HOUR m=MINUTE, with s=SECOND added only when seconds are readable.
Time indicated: h=6 m=6
